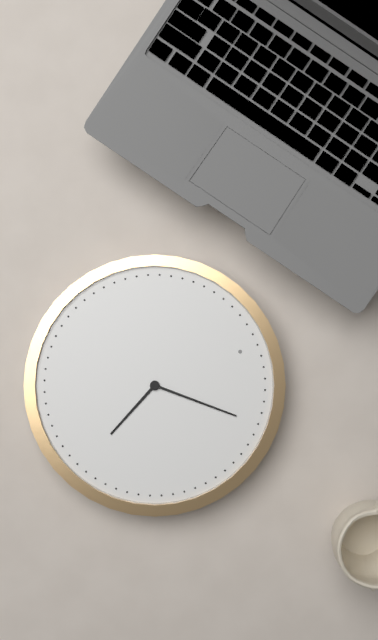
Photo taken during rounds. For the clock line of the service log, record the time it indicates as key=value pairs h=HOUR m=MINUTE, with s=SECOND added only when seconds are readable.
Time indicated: h=5 m=7
